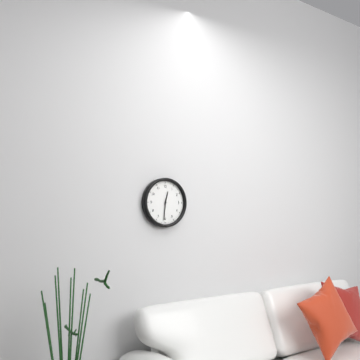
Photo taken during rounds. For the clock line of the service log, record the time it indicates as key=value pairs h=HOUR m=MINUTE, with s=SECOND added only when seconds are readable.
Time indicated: h=12 m=31
